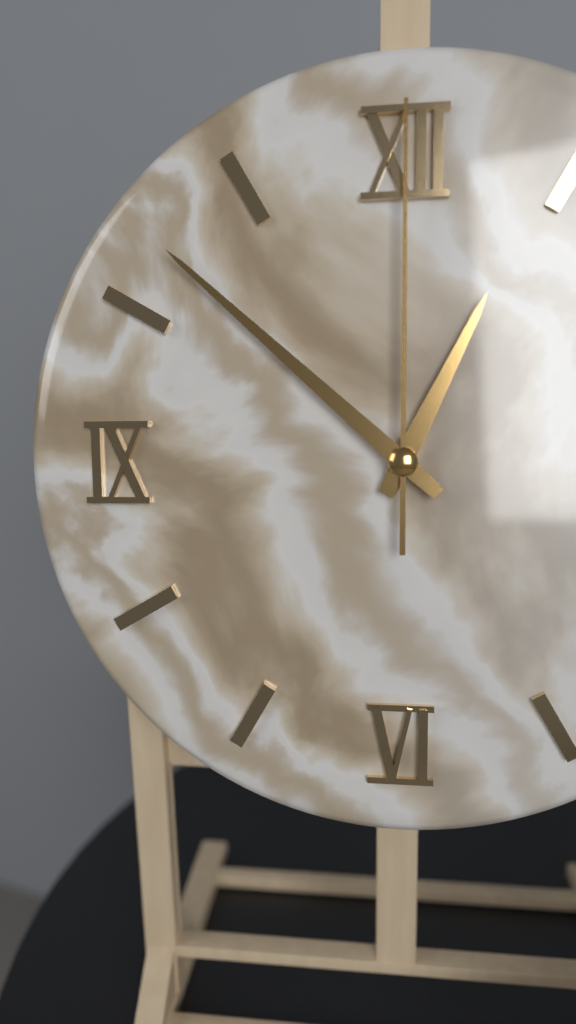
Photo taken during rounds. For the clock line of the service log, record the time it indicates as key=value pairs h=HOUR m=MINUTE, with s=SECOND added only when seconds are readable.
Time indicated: h=12 m=52 s=0
